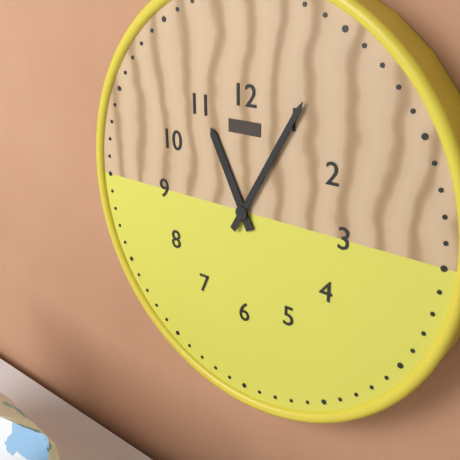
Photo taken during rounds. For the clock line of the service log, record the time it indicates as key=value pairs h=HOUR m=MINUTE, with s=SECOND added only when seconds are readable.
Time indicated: h=11 m=5
